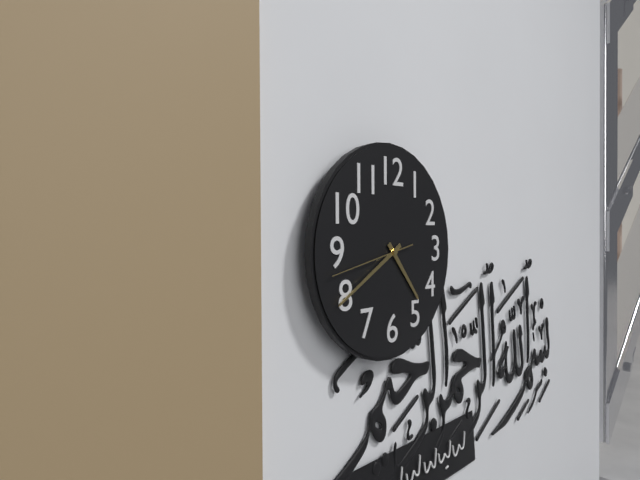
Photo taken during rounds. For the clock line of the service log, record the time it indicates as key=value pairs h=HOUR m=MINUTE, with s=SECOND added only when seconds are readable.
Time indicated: h=4 m=40 s=43
